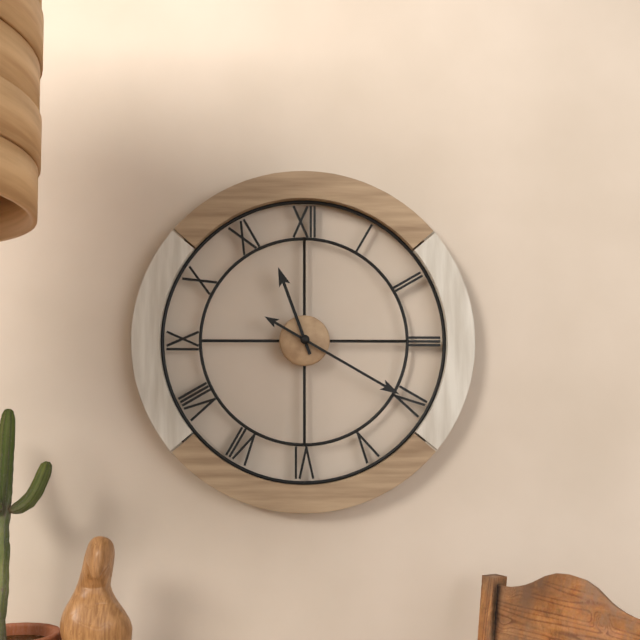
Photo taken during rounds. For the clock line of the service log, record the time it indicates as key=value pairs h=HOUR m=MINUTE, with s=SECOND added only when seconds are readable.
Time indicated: h=11 m=20
